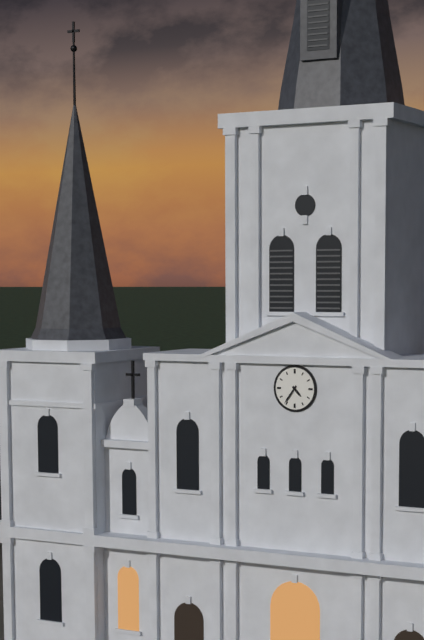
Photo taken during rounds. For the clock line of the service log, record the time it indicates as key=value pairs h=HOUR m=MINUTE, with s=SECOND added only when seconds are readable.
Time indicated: h=4 m=36
